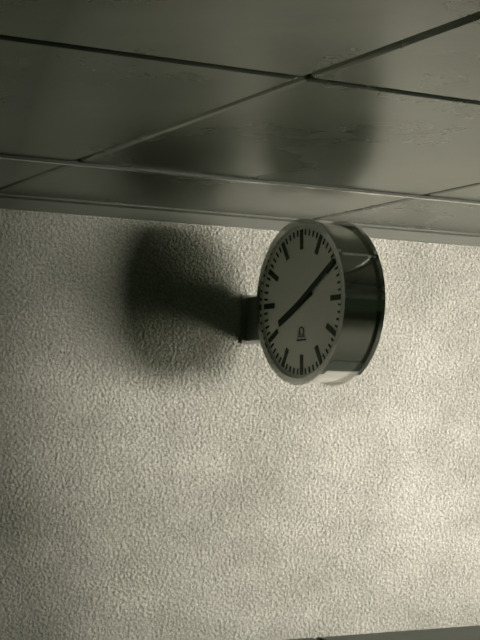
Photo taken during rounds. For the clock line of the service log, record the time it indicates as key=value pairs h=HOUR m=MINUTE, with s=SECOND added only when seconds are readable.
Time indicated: h=8 m=10
